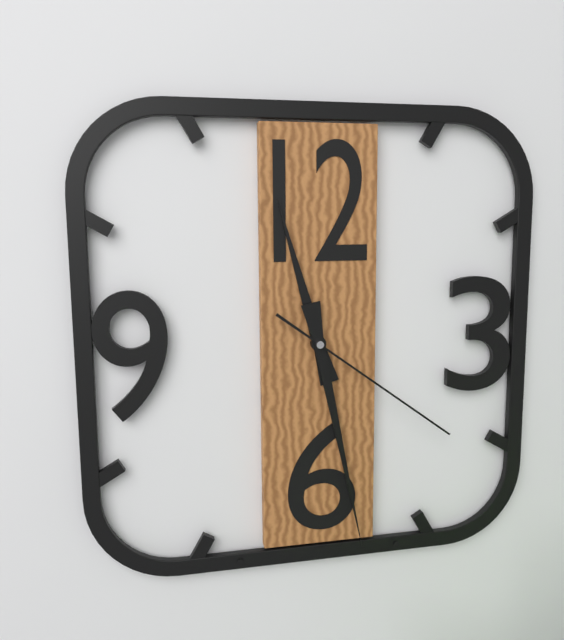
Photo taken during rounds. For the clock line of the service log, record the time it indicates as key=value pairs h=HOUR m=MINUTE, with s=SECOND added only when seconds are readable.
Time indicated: h=11 m=28 s=21
